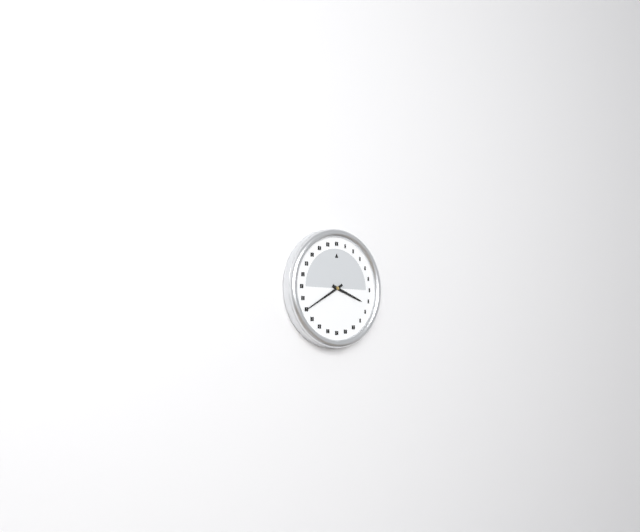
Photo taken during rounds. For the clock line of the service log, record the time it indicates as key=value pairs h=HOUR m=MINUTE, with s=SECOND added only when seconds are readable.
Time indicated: h=3 m=40
